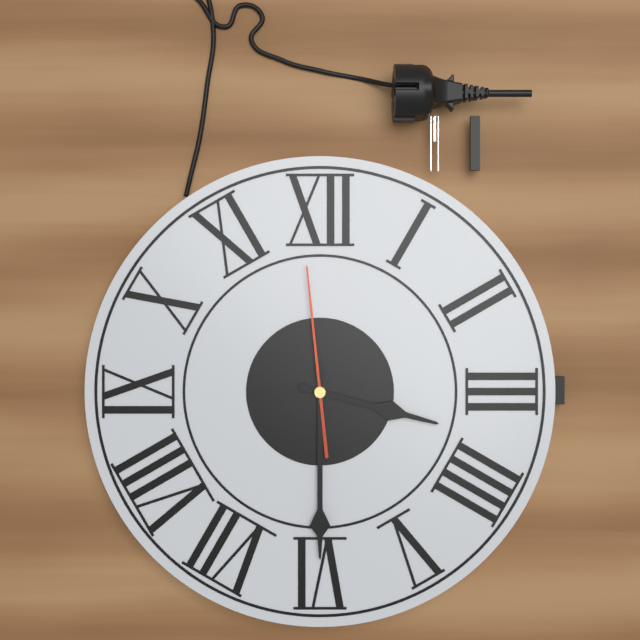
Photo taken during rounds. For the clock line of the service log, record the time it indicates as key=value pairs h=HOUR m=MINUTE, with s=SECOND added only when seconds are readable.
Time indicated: h=3 m=30 s=59
